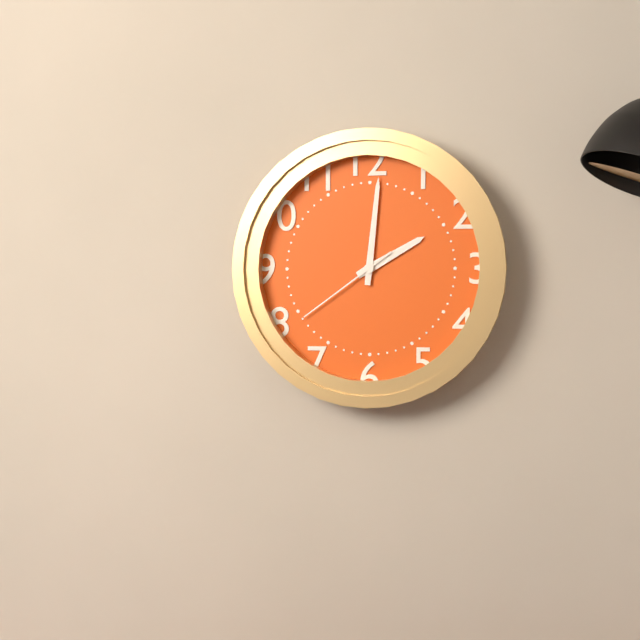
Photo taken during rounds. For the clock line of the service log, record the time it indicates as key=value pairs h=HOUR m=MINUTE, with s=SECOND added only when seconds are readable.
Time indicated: h=2 m=1 s=39
